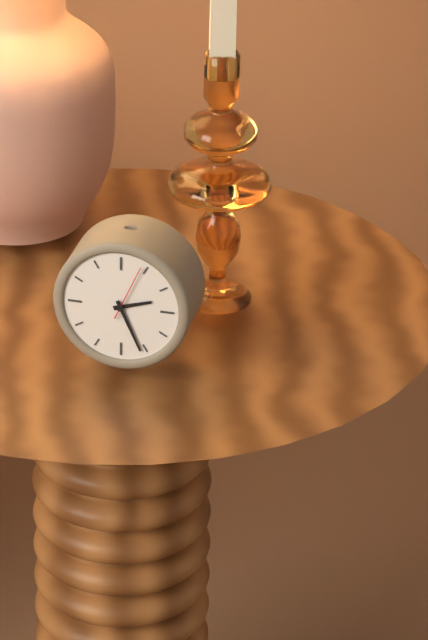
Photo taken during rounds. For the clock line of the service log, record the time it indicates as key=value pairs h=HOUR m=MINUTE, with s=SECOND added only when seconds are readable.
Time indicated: h=2 m=26 s=4
